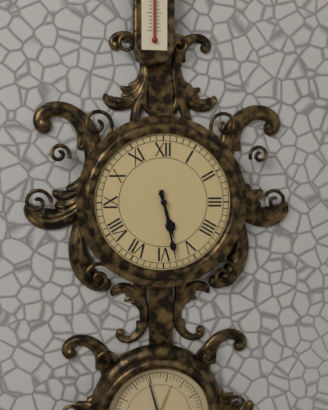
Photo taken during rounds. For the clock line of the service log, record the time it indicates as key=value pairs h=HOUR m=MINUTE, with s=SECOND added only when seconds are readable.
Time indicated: h=5 m=28
